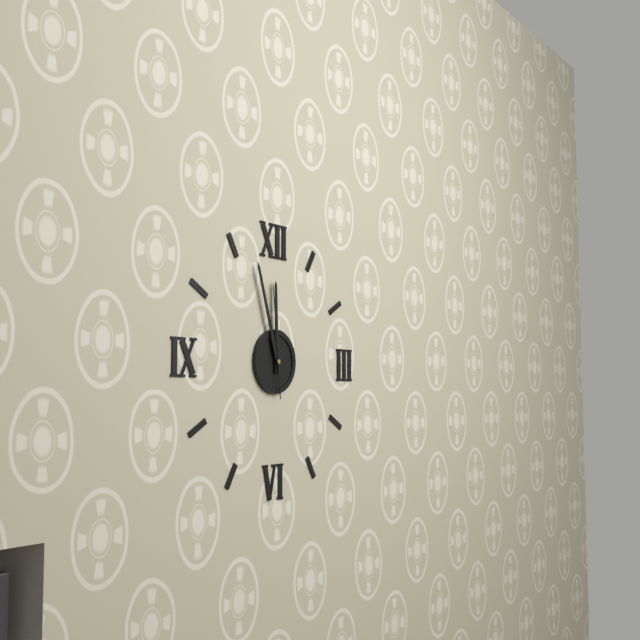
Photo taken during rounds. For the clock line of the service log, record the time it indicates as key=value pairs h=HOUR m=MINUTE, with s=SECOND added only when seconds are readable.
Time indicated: h=11 m=57 s=59
